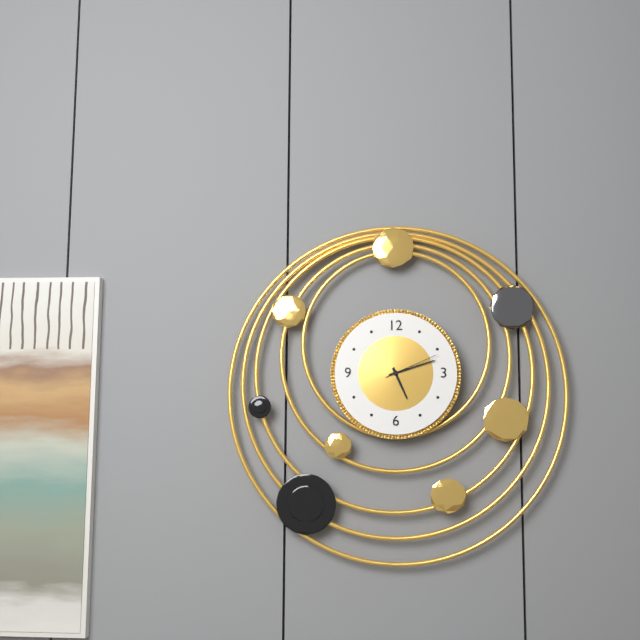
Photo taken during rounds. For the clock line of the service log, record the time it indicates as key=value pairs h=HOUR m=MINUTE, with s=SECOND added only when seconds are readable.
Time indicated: h=5 m=12 s=11
